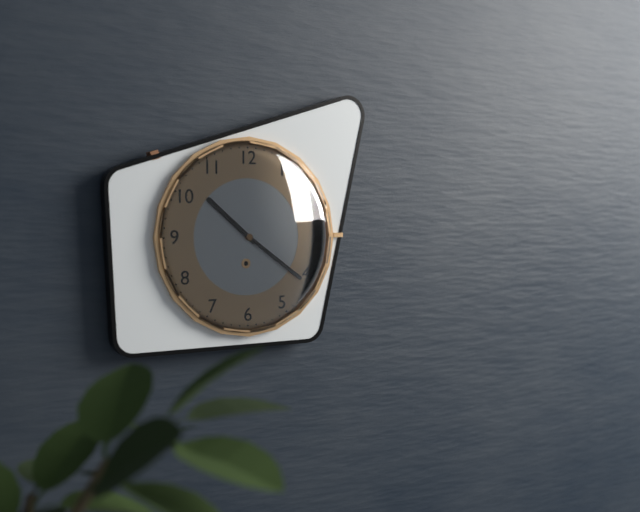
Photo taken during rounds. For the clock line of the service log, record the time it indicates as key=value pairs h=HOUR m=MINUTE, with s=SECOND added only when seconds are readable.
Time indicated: h=10 m=21
